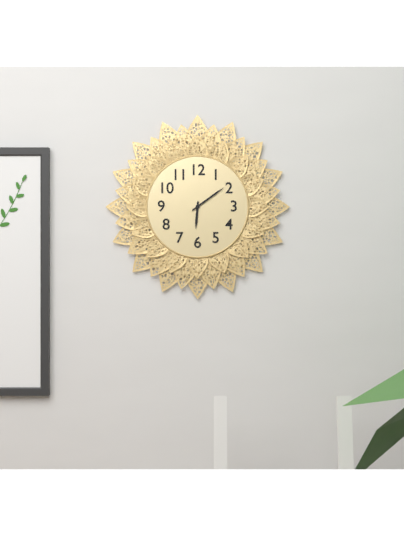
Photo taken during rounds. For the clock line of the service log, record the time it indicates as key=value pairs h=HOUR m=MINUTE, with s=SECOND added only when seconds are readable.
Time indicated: h=6 m=9
